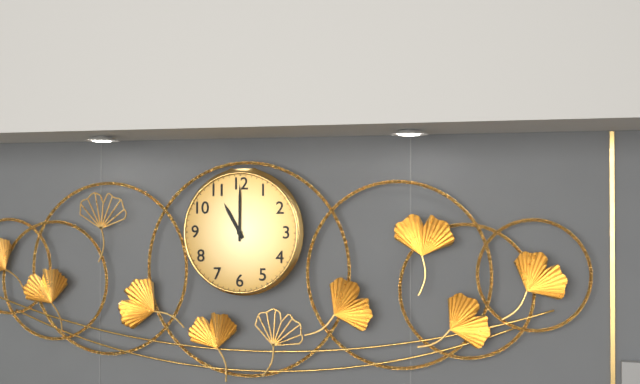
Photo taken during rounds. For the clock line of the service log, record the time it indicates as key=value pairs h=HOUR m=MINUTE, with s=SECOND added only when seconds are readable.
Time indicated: h=11 m=0
